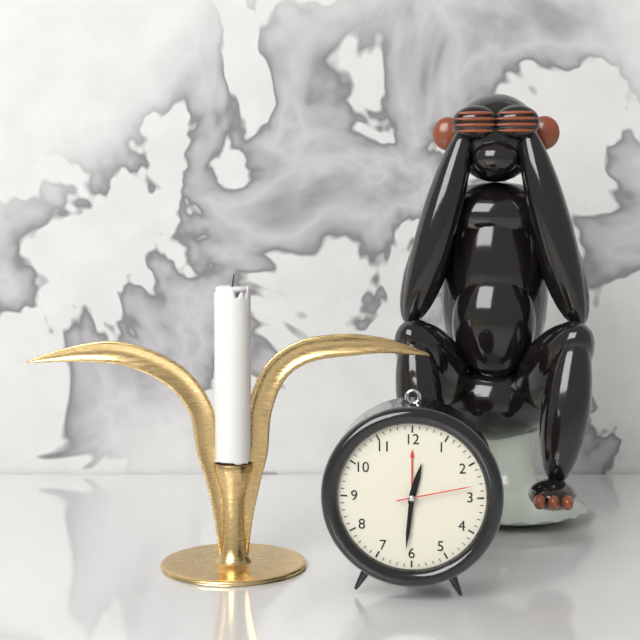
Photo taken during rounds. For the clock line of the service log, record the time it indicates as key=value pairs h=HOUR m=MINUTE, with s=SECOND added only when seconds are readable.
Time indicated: h=12 m=31 s=13
